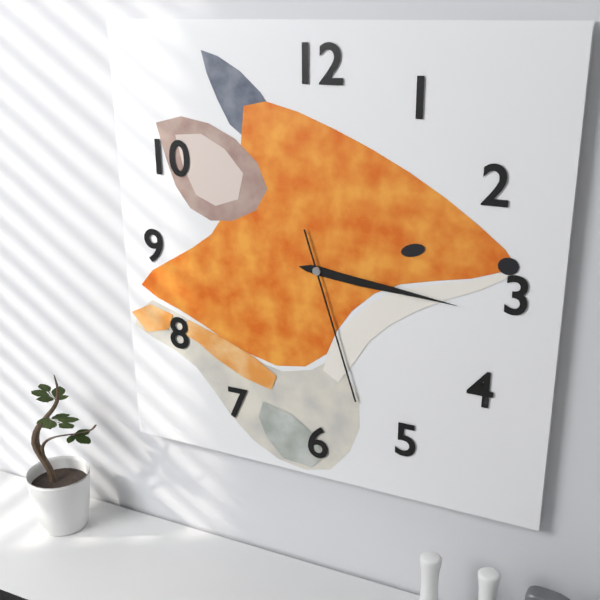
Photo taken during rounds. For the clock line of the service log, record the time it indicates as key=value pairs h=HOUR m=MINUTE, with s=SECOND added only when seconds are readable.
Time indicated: h=3 m=16 s=27
